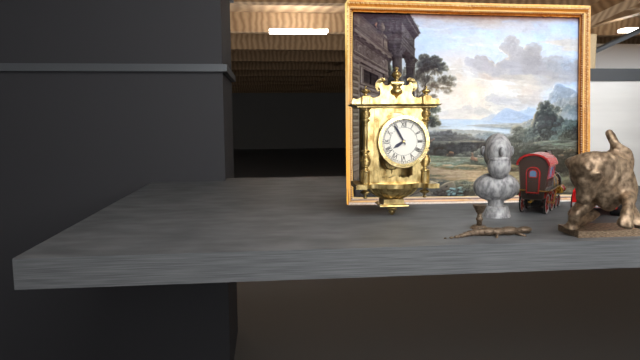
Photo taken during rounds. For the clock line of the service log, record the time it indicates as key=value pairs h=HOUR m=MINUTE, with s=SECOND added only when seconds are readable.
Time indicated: h=7 m=55
